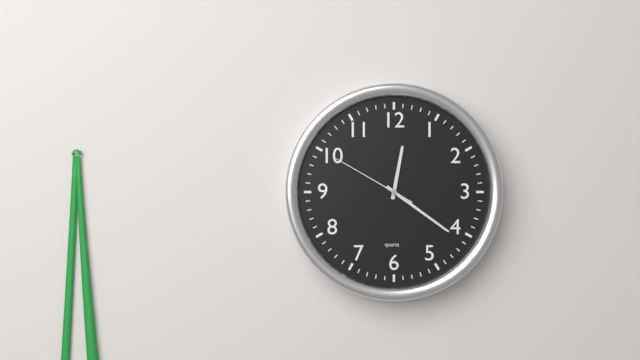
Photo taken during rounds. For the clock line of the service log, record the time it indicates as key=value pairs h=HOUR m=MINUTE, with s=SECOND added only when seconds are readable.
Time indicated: h=12 m=21 s=50
